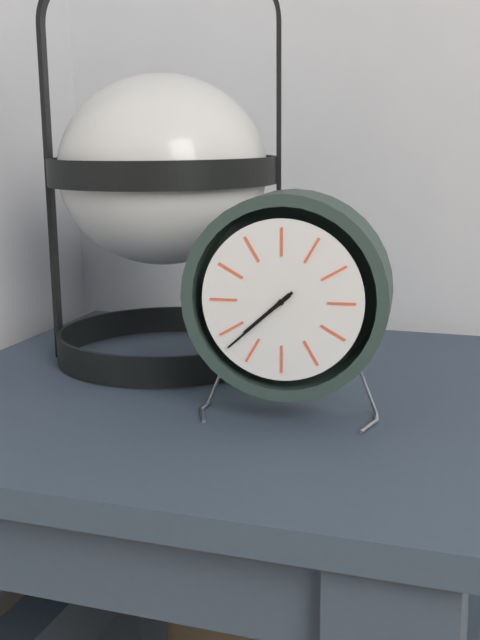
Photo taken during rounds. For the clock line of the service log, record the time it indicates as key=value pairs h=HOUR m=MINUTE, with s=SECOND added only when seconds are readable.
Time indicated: h=7 m=38
